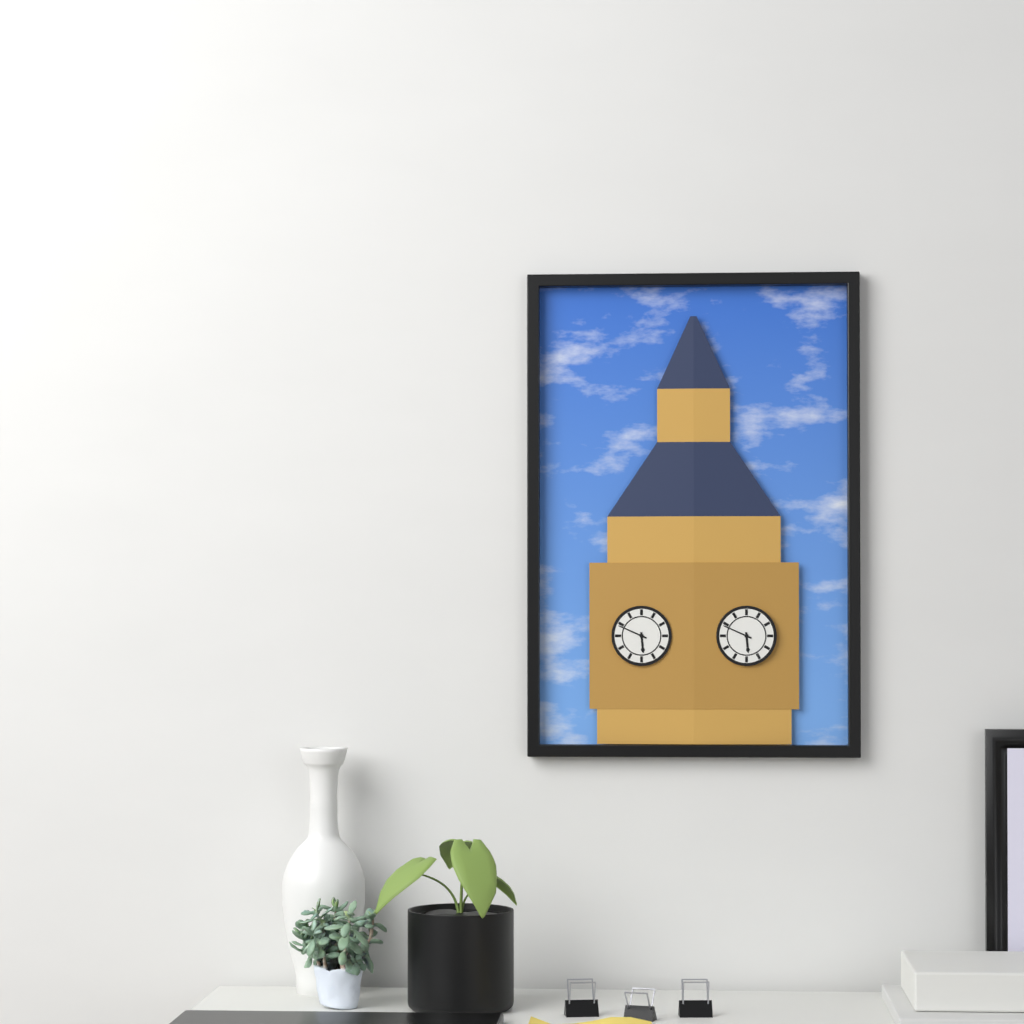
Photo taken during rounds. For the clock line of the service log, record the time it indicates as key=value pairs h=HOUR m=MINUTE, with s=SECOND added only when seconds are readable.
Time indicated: h=5 m=49
